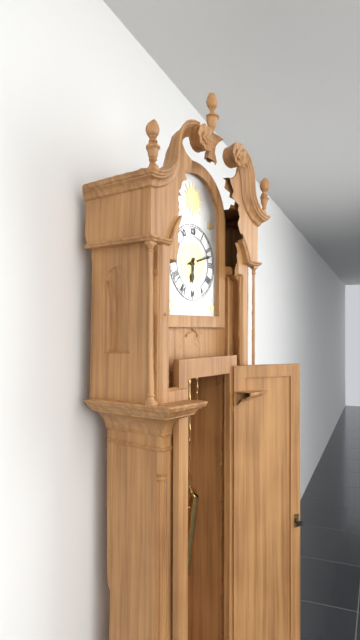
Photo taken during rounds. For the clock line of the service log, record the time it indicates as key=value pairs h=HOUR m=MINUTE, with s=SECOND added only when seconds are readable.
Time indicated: h=6 m=12
